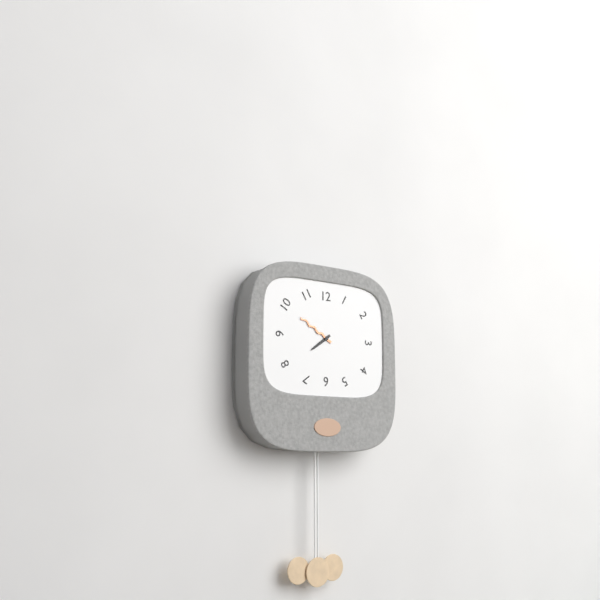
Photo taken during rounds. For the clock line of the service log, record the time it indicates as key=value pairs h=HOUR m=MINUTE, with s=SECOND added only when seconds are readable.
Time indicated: h=7 m=50
